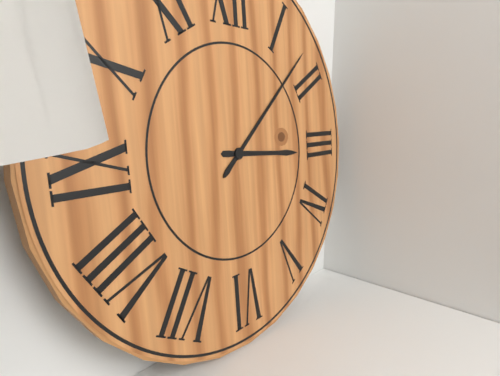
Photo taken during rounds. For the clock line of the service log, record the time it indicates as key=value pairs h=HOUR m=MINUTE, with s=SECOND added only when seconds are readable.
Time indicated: h=3 m=8
